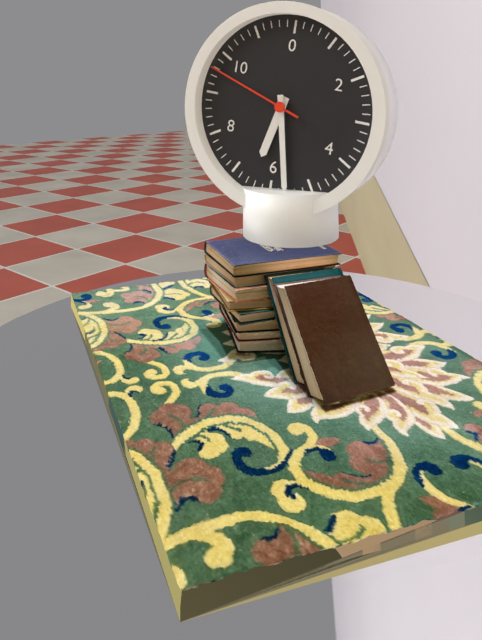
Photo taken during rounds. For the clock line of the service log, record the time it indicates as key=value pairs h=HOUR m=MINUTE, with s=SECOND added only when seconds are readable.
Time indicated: h=6 m=28 s=48
